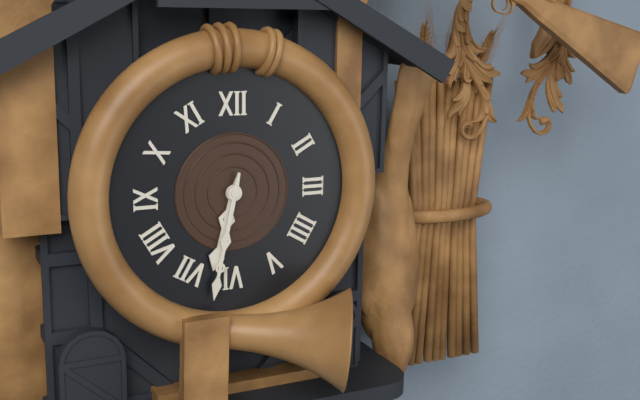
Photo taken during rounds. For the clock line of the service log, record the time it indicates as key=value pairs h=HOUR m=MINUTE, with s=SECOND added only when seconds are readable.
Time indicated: h=6 m=32
